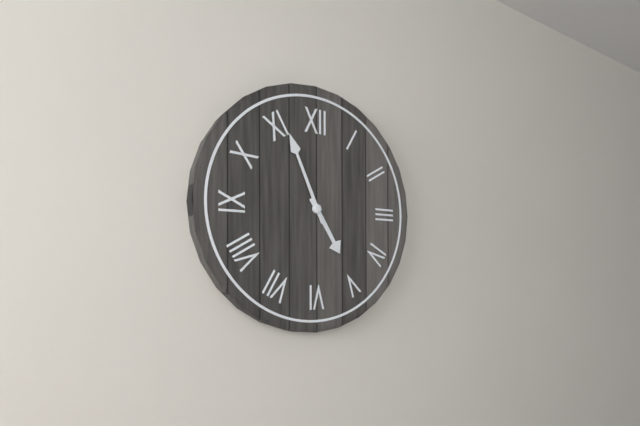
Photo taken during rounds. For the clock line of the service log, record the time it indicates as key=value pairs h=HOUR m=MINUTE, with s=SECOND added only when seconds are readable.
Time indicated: h=4 m=56
